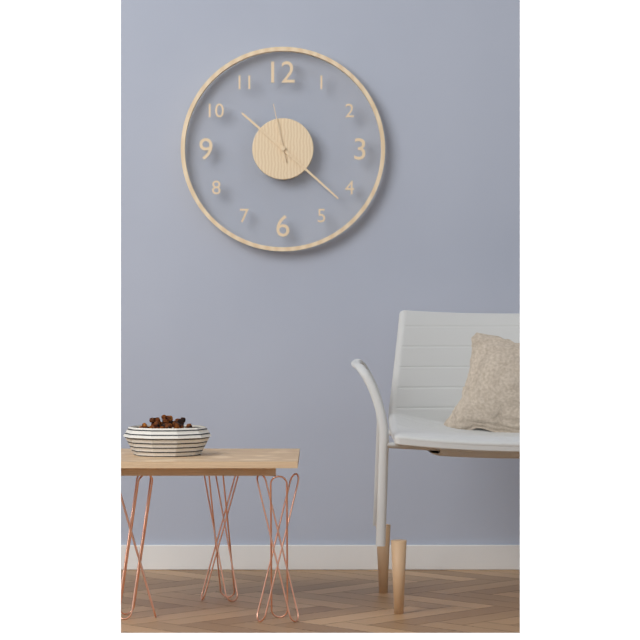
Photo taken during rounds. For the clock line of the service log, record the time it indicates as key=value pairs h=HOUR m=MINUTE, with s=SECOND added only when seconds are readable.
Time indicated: h=10 m=22 s=58
